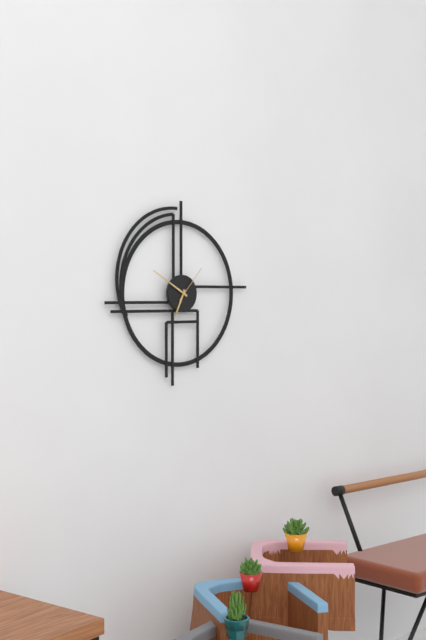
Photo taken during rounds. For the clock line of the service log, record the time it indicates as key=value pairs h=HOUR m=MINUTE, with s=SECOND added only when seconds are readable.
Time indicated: h=6 m=50
